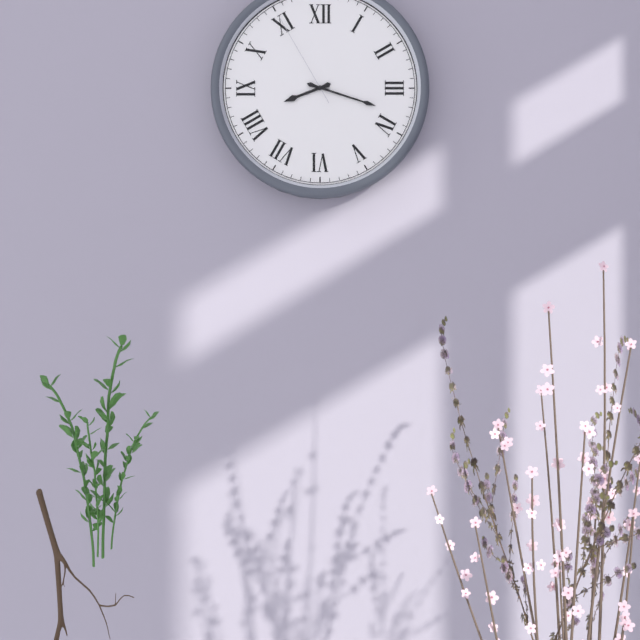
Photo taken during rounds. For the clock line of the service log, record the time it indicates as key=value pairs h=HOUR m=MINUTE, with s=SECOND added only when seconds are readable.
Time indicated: h=8 m=18 s=55
